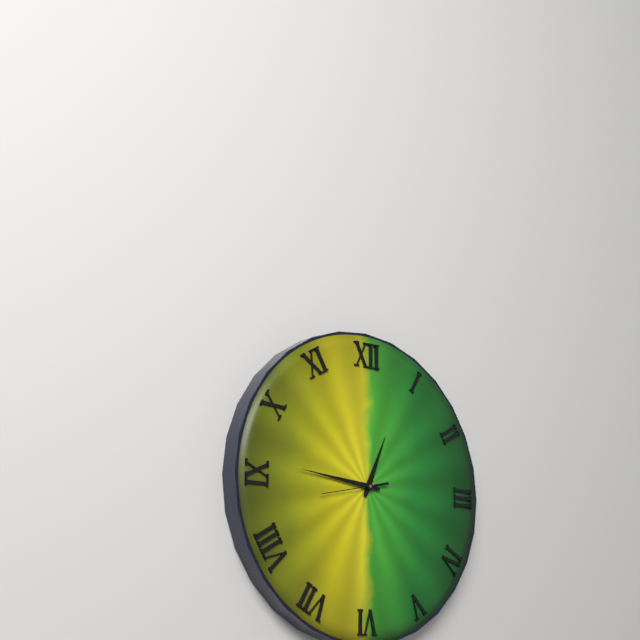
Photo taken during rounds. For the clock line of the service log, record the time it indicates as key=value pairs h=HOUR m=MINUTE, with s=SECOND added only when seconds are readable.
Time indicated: h=12 m=46 s=43
